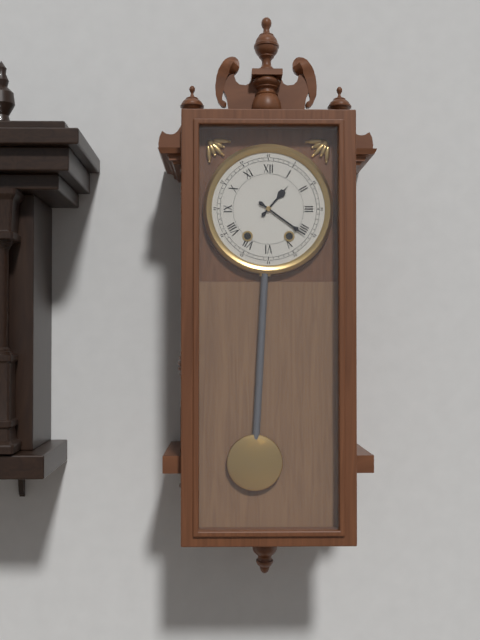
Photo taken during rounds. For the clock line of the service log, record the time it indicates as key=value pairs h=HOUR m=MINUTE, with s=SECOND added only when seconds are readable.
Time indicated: h=1 m=21
